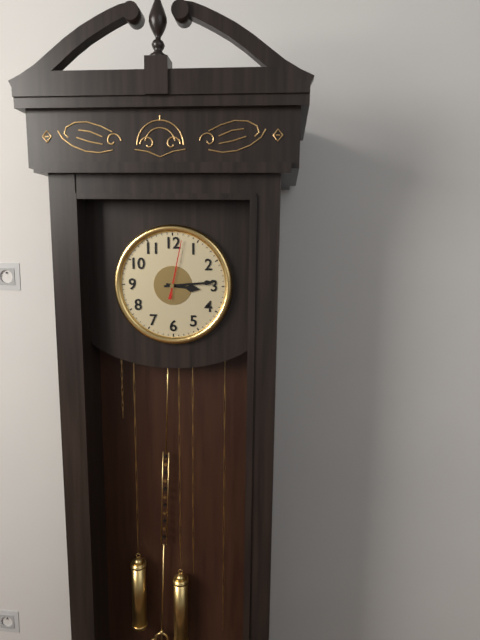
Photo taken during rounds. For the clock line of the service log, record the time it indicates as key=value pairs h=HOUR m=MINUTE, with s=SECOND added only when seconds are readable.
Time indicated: h=3 m=14 s=2
